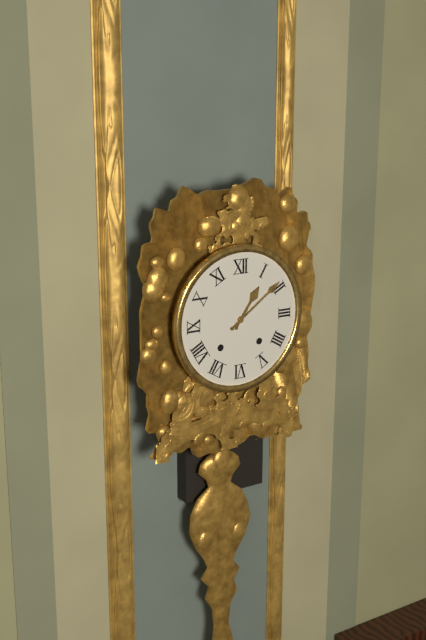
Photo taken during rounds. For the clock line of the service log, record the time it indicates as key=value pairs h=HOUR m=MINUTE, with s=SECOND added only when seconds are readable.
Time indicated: h=1 m=9
